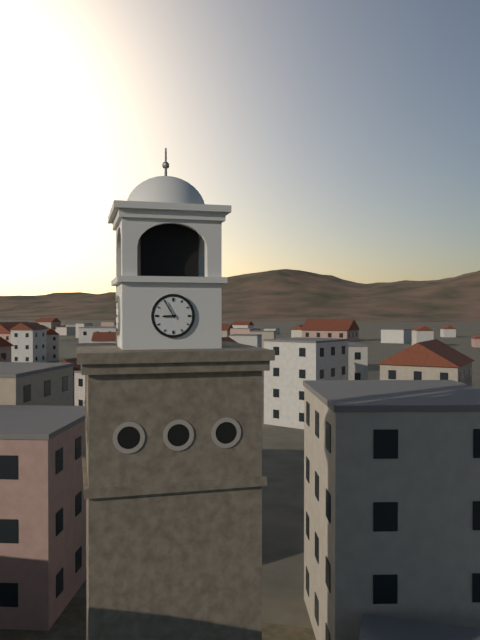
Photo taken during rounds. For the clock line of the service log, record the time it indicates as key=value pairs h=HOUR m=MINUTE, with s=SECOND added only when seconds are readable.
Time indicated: h=8 m=55
